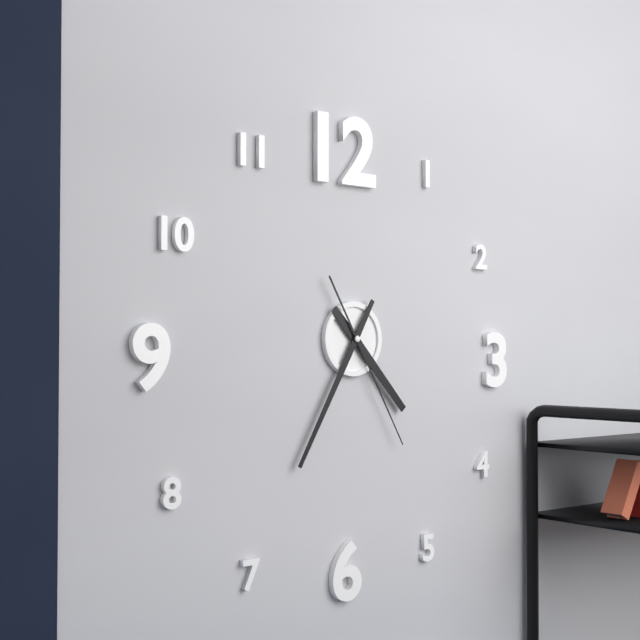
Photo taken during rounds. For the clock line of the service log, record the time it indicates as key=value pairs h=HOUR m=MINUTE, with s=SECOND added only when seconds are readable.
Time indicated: h=4 m=35 s=25
